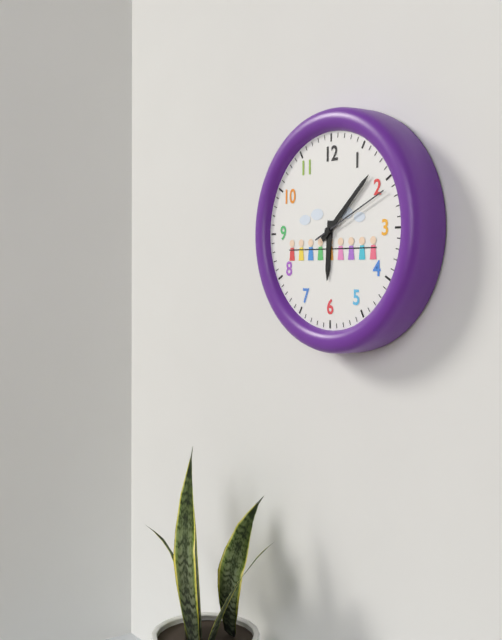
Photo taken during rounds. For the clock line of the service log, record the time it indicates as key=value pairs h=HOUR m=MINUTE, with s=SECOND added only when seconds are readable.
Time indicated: h=6 m=8 s=11
